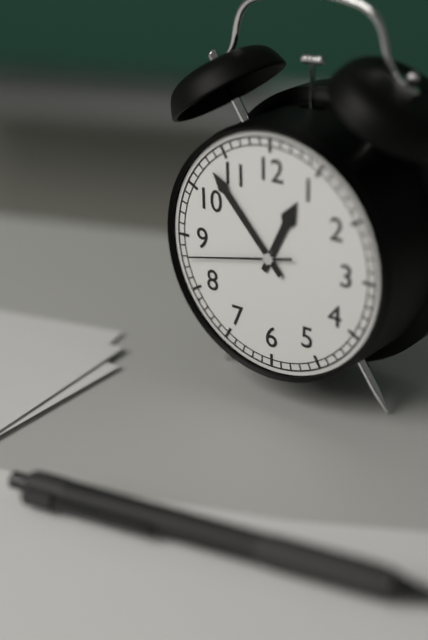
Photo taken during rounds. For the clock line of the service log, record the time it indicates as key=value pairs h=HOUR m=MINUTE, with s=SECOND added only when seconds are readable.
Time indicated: h=12 m=53 s=43
